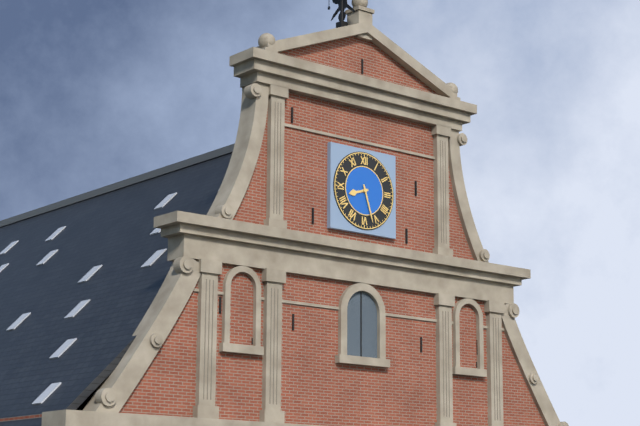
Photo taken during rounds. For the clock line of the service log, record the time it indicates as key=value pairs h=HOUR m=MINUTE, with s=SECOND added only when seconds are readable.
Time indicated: h=8 m=27
